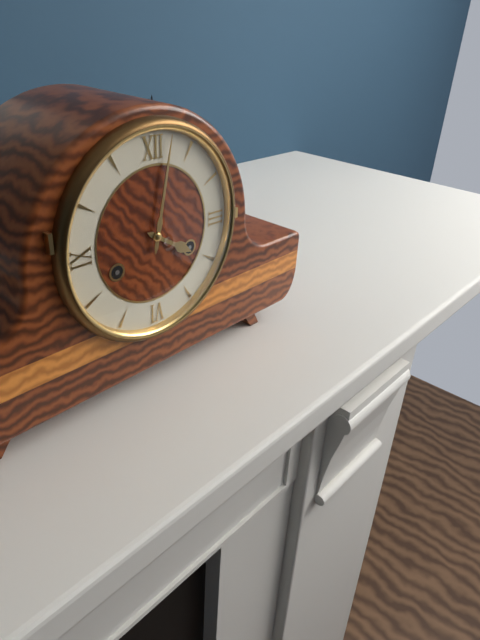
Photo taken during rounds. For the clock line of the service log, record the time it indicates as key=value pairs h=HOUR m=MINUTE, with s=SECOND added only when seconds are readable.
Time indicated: h=4 m=2
